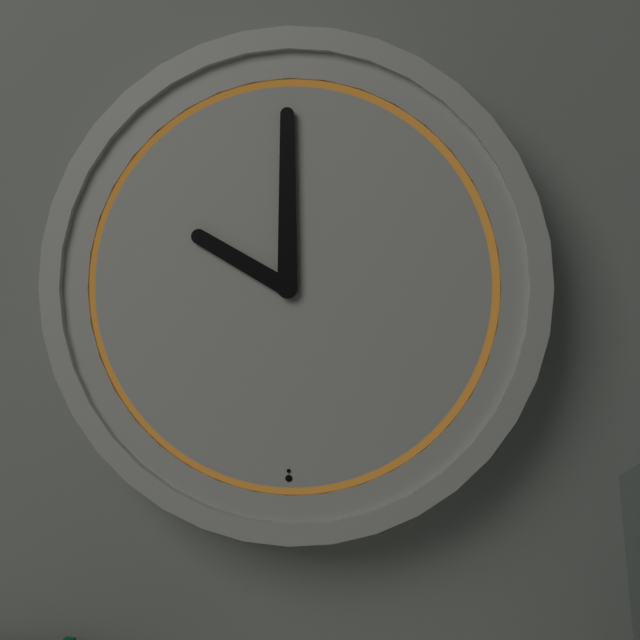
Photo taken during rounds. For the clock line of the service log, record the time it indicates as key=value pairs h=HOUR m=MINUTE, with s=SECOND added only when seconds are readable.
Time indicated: h=10 m=0
